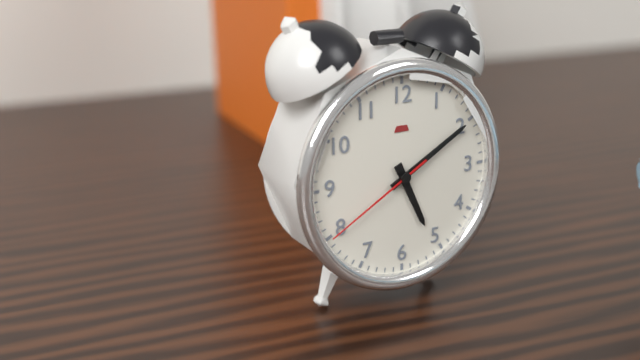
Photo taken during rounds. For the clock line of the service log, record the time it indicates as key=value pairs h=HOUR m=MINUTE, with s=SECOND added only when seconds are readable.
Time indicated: h=5 m=10 s=40
